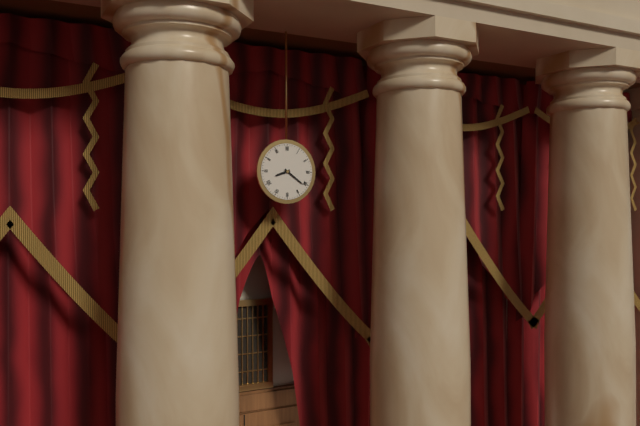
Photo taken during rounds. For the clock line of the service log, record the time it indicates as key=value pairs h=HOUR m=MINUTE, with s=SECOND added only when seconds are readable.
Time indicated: h=8 m=21
